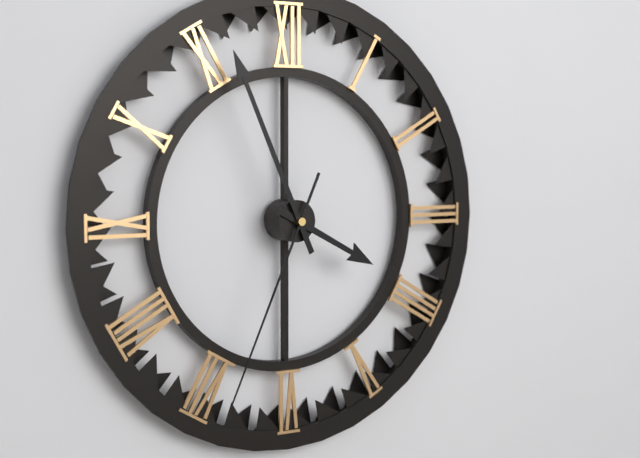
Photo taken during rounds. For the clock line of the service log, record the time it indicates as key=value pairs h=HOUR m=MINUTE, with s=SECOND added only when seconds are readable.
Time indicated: h=3 m=56 s=34
